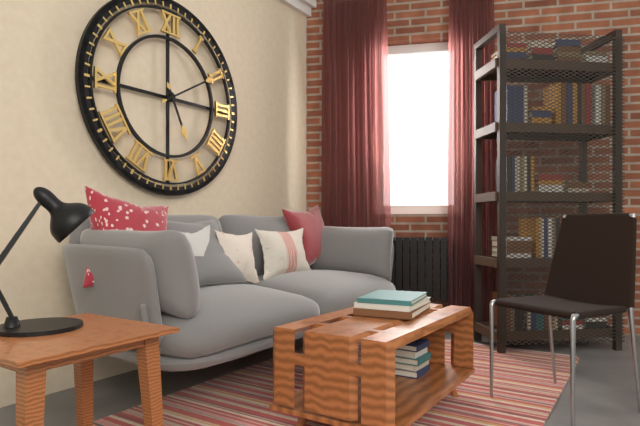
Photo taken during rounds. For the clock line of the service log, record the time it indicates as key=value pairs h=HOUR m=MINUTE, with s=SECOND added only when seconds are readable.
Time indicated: h=5 m=10
